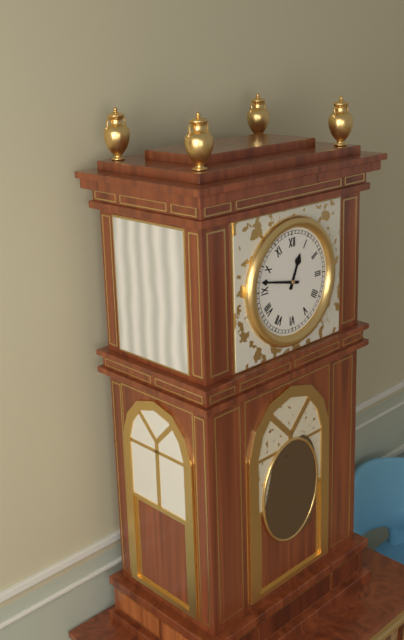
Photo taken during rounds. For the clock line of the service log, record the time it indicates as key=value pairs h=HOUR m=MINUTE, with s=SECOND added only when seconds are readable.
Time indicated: h=12 m=47
